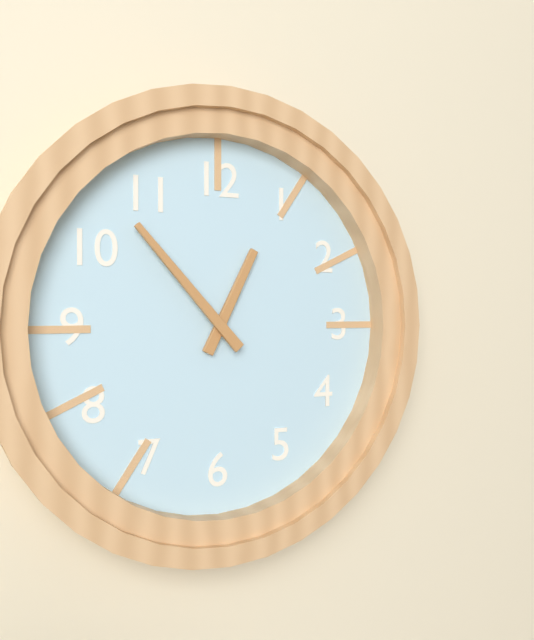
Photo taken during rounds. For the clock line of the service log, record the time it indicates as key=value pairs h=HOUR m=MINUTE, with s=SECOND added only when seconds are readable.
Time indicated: h=12 m=53
